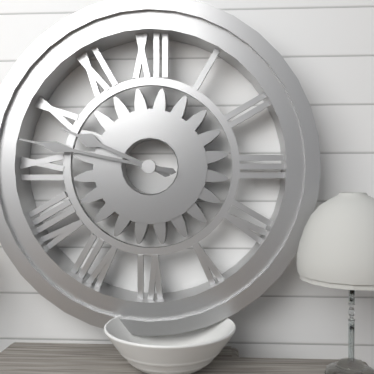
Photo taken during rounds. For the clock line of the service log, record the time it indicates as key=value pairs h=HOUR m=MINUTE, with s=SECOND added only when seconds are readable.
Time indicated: h=9 m=47
